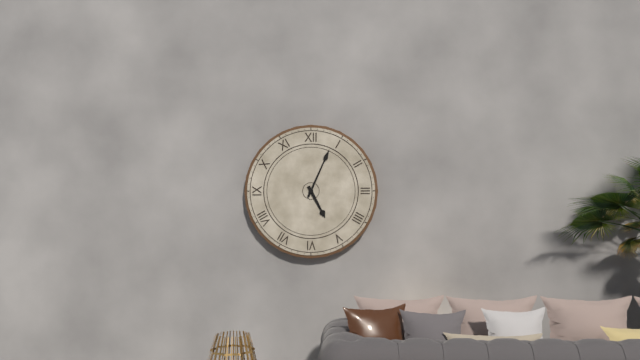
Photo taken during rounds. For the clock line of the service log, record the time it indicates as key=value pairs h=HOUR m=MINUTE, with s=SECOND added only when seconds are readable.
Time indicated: h=5 m=4
